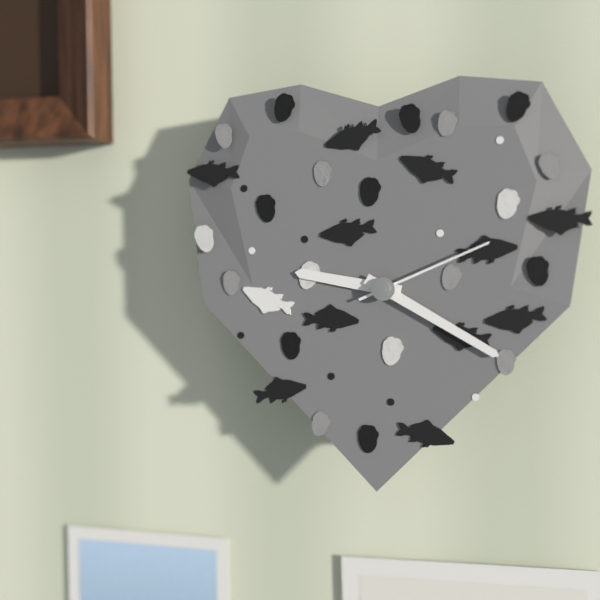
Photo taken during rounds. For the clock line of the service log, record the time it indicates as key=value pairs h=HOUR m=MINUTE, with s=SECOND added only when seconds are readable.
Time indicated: h=9 m=20 s=11
